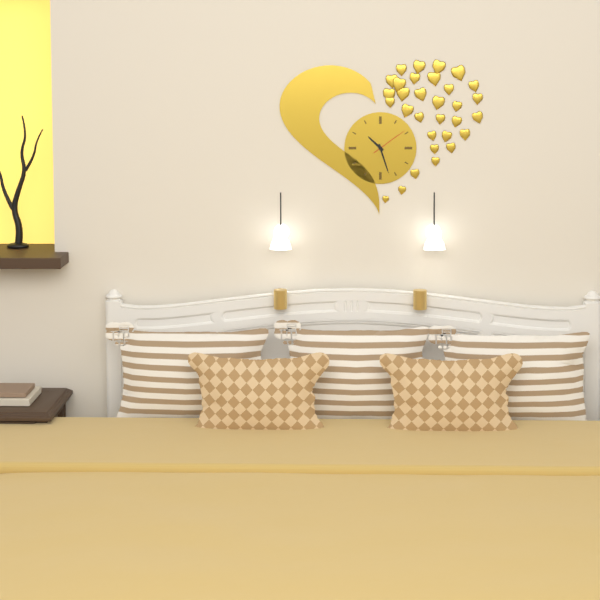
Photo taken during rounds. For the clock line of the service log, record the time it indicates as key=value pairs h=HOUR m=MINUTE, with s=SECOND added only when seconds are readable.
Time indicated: h=10 m=27
